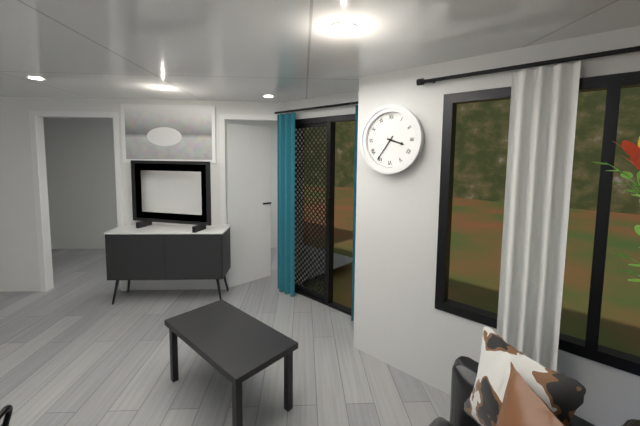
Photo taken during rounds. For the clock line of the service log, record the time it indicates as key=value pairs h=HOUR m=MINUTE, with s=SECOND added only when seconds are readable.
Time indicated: h=3 m=36
